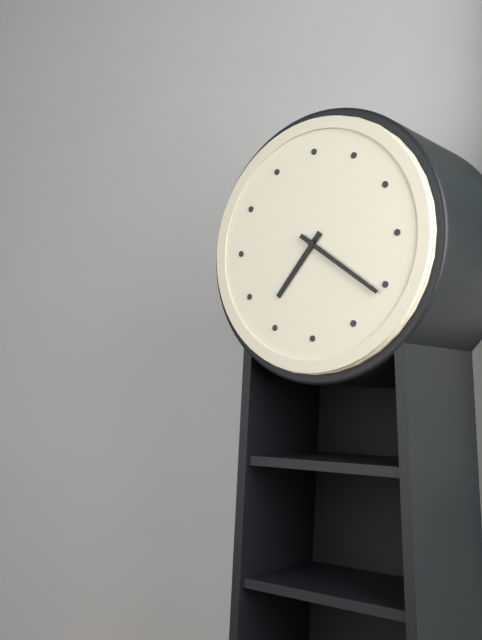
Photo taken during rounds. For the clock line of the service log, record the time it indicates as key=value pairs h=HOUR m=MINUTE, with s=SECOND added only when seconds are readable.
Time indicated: h=7 m=21
